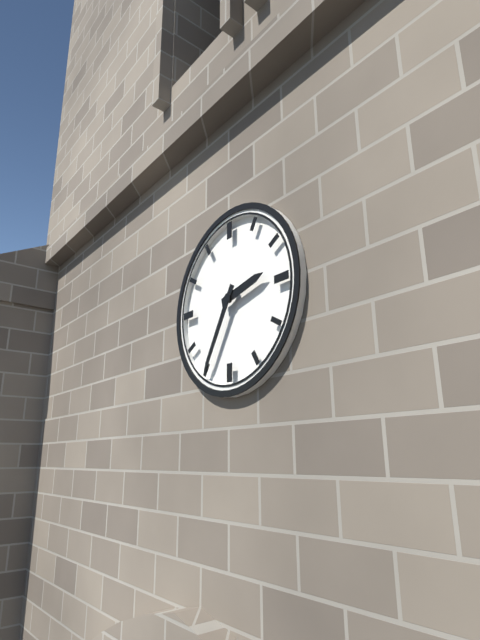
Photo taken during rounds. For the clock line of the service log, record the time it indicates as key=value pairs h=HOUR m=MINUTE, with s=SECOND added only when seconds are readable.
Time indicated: h=2 m=35
